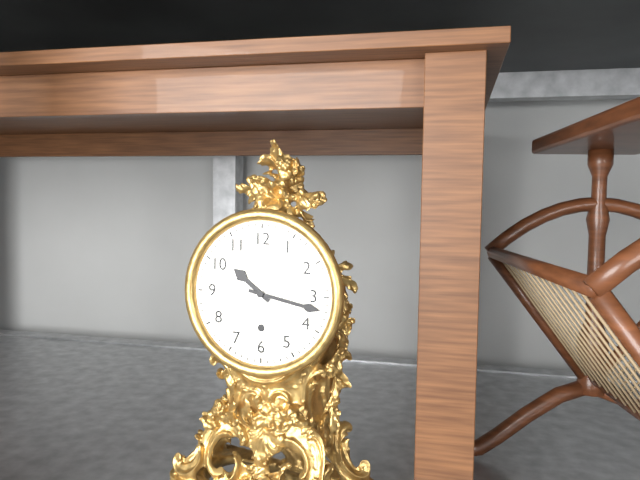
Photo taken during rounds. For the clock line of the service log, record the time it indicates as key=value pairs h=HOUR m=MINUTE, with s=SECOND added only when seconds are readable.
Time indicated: h=10 m=17
